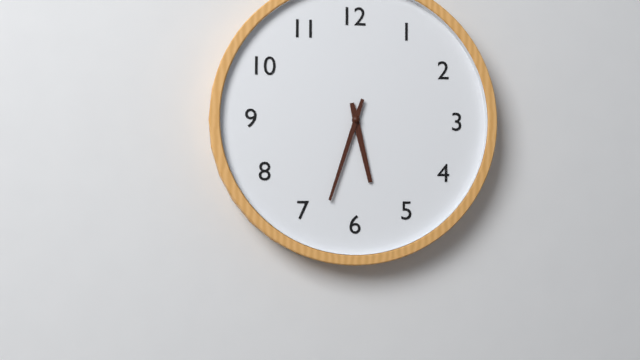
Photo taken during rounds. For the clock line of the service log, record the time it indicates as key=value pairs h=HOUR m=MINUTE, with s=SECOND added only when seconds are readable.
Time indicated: h=5 m=33
